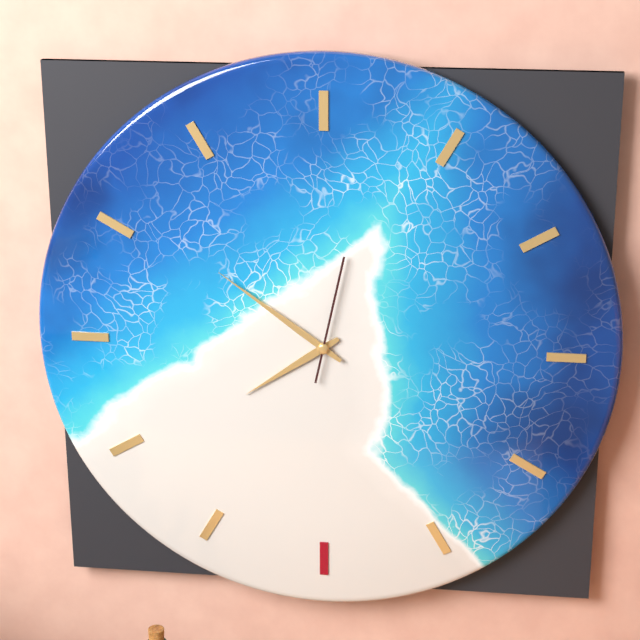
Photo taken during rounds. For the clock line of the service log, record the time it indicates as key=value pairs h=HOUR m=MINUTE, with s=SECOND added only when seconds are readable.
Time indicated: h=7 m=51 s=2
